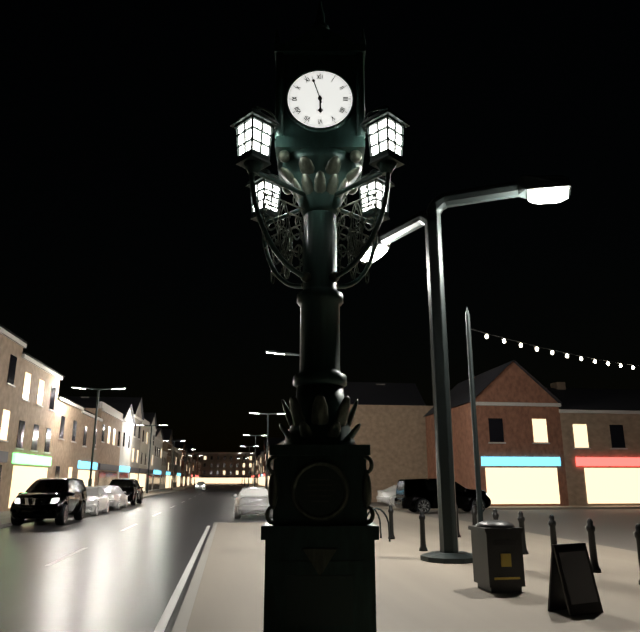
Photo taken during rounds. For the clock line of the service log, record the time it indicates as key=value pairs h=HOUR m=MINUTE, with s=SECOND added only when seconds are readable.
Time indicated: h=5 m=57
